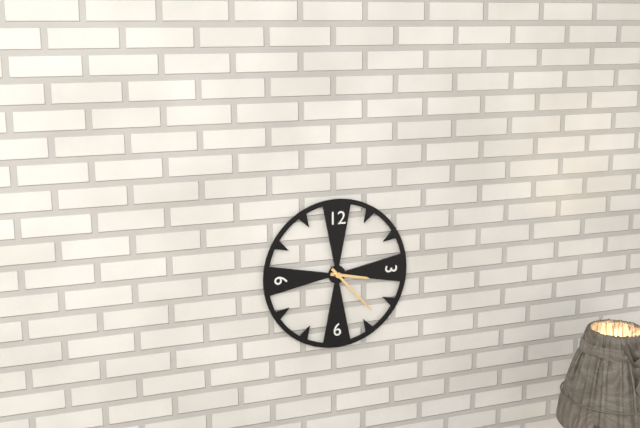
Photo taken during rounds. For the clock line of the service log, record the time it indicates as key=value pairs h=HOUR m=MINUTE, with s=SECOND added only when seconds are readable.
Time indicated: h=3 m=23
